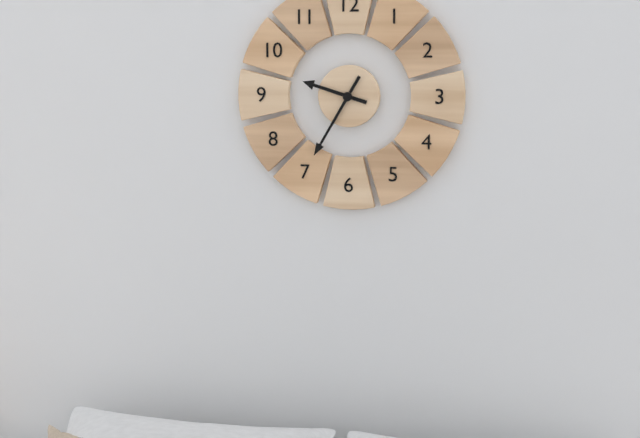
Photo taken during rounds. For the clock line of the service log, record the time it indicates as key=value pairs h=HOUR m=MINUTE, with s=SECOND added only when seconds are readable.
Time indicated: h=9 m=35
